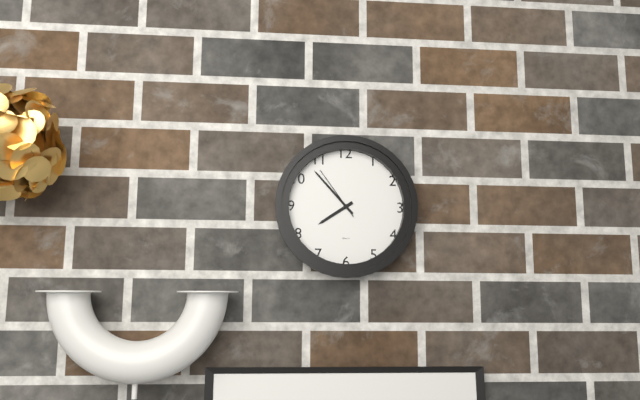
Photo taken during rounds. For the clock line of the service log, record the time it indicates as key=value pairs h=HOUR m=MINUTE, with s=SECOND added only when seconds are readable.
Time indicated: h=7 m=53 s=54
